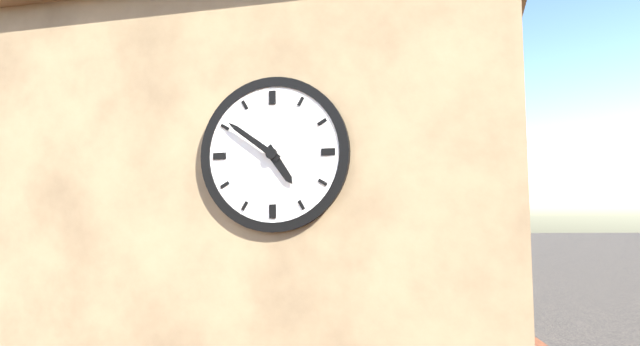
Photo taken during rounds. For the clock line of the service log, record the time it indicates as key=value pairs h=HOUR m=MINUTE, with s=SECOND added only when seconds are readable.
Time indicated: h=4 m=51
